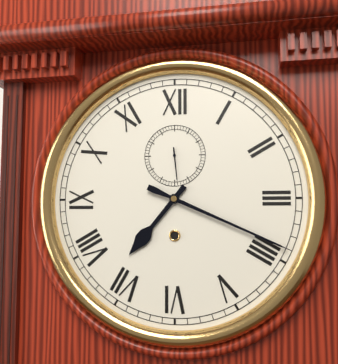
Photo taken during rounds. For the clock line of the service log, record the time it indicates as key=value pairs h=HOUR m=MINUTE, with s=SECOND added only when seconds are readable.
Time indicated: h=7 m=19
